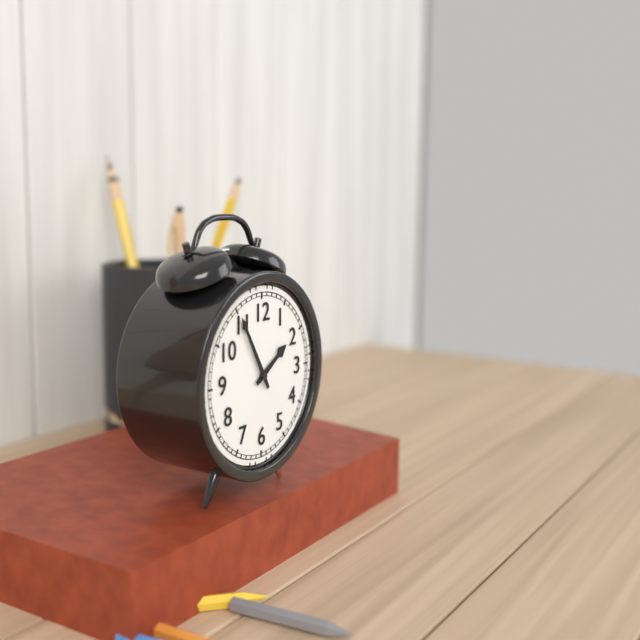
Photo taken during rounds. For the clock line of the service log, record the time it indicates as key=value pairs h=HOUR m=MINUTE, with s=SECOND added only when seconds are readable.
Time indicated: h=1 m=55
